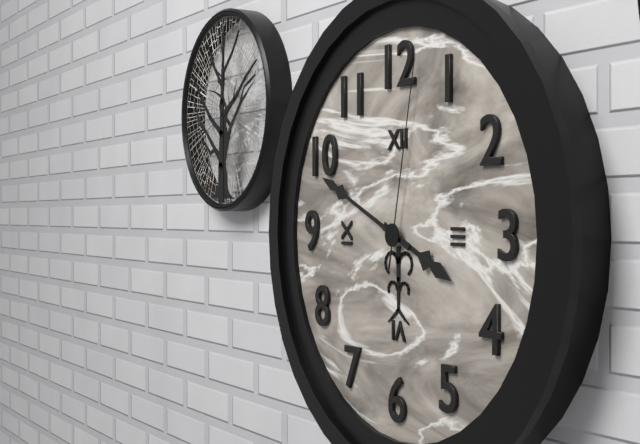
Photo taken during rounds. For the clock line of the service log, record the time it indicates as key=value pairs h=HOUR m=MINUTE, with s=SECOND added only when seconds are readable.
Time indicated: h=3 m=49 s=2
